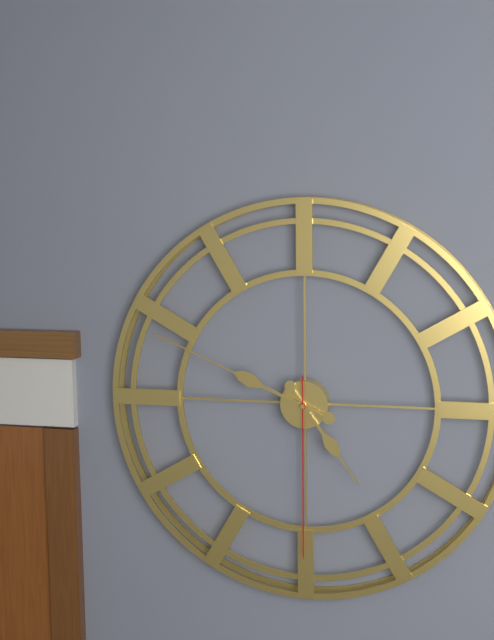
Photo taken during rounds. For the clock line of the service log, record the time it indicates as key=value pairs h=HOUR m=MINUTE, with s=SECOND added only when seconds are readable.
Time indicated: h=4 m=49 s=30
